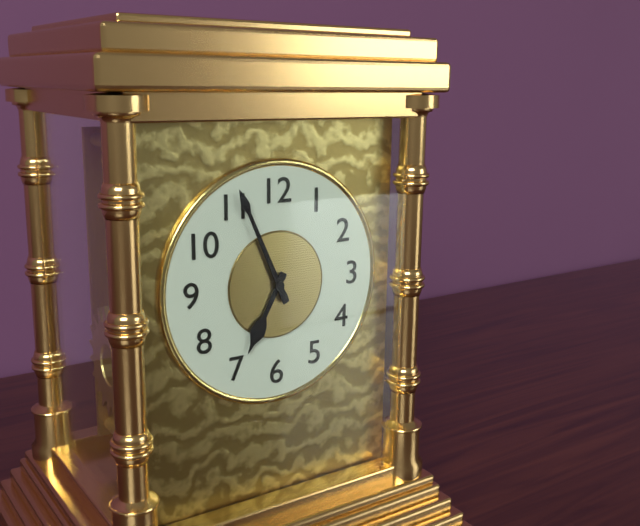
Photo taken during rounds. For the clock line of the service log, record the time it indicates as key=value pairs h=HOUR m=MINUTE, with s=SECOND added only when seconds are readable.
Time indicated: h=6 m=56
